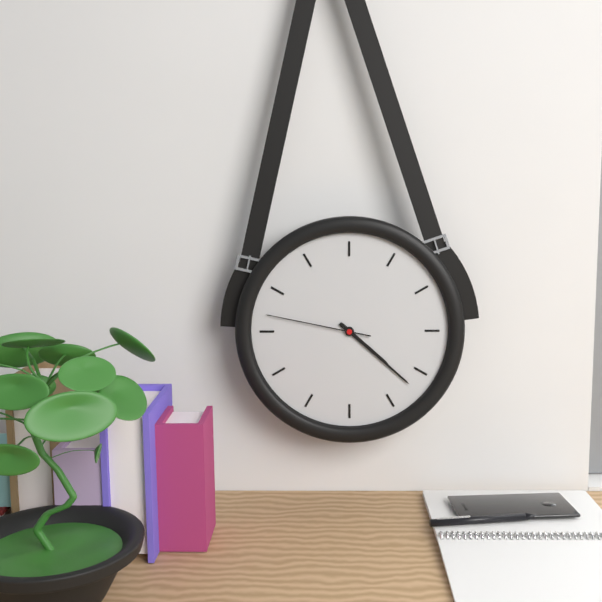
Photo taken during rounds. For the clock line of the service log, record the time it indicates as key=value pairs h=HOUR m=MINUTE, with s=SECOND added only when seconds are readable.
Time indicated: h=4 m=22 s=47
